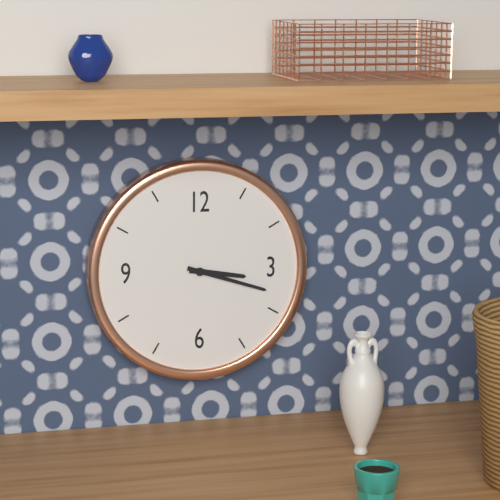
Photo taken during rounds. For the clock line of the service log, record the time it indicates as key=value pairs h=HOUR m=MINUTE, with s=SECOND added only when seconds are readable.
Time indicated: h=3 m=18
